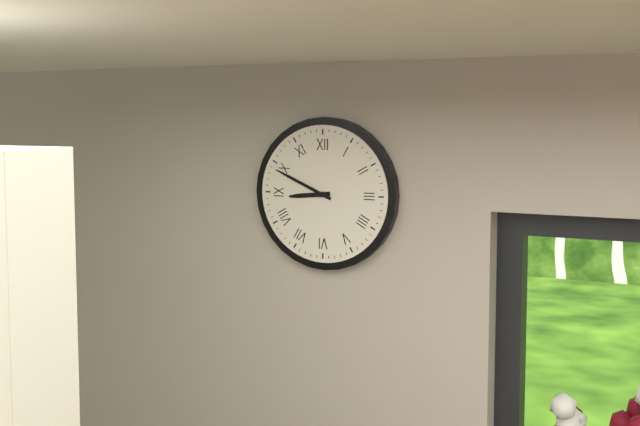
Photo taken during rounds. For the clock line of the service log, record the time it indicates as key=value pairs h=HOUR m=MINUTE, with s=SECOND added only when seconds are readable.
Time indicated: h=8 m=49
